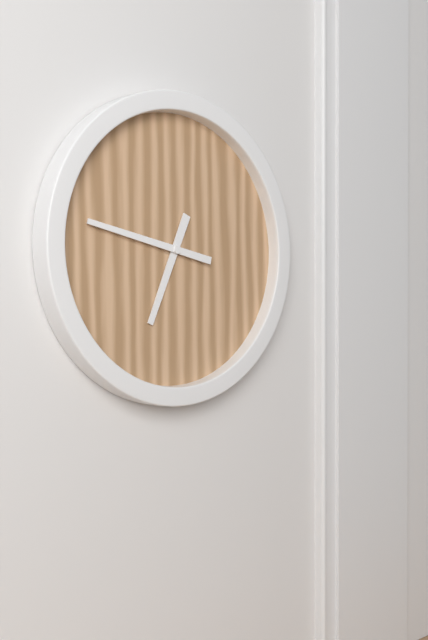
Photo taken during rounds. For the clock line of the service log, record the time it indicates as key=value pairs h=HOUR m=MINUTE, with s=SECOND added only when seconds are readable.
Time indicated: h=6 m=47
